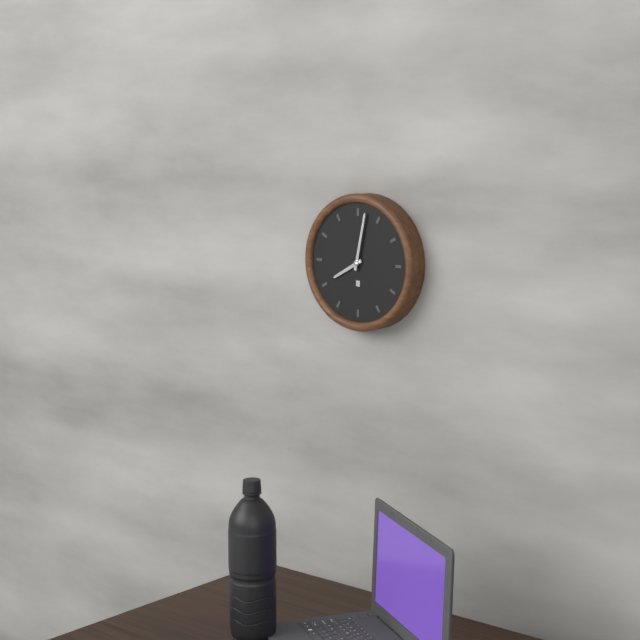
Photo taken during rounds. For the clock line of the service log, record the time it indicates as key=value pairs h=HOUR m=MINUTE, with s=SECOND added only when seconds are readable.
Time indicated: h=8 m=2
